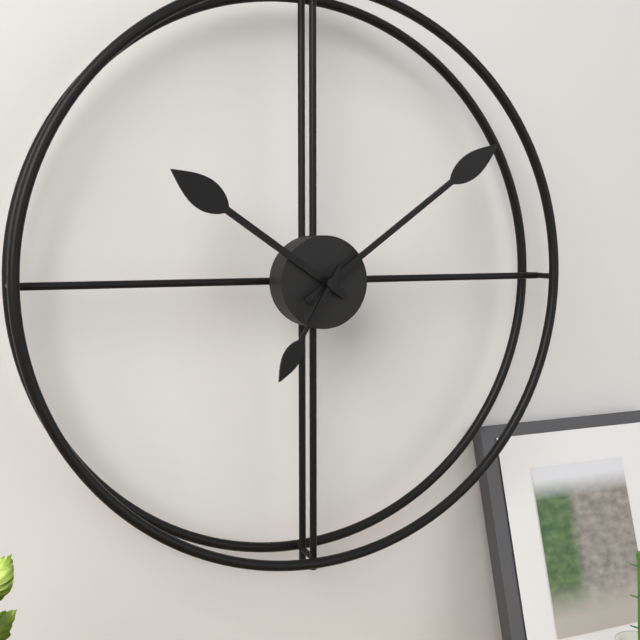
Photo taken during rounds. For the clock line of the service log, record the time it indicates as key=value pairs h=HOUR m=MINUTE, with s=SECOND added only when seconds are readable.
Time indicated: h=10 m=9 s=35
